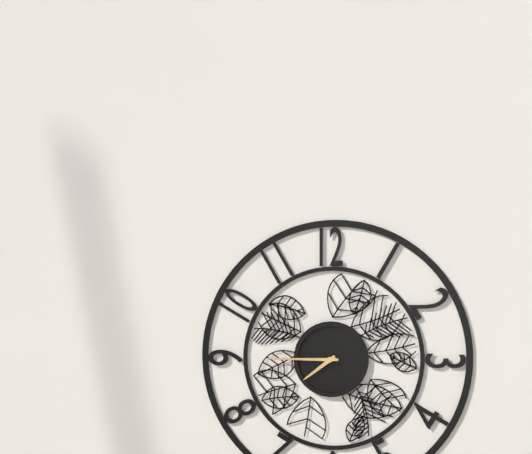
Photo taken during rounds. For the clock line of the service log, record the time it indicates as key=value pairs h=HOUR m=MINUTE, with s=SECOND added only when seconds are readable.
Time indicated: h=7 m=45
